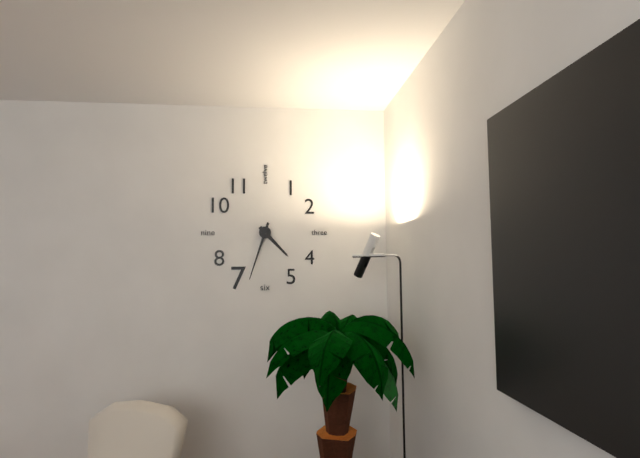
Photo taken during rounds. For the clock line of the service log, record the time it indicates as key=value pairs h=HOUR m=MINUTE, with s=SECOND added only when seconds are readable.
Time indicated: h=4 m=33
